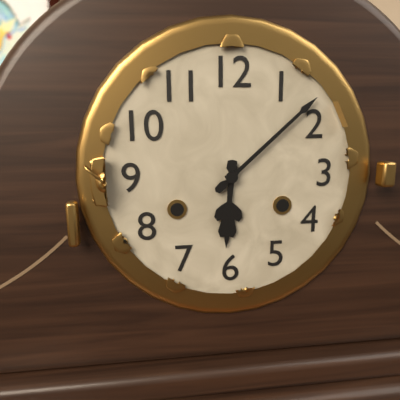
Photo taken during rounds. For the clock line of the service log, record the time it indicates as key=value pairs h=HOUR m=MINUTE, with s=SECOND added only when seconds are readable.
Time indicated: h=6 m=8
